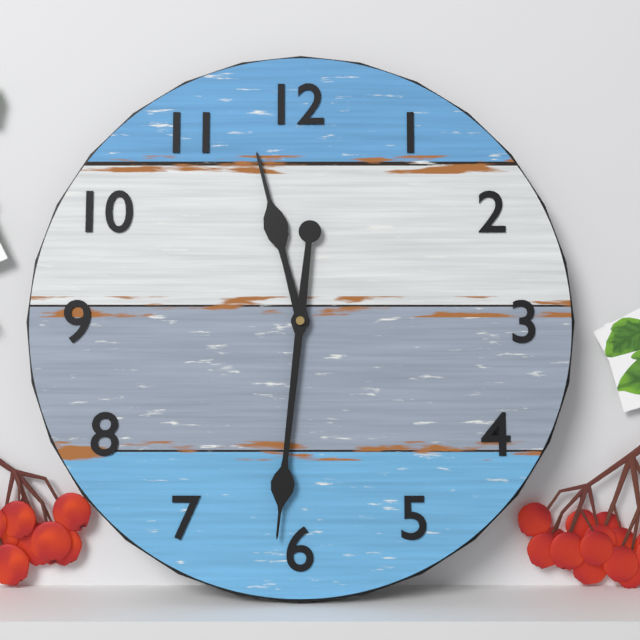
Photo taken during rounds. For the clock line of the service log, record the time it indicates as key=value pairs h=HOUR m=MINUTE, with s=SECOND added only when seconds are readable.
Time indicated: h=11 m=31
